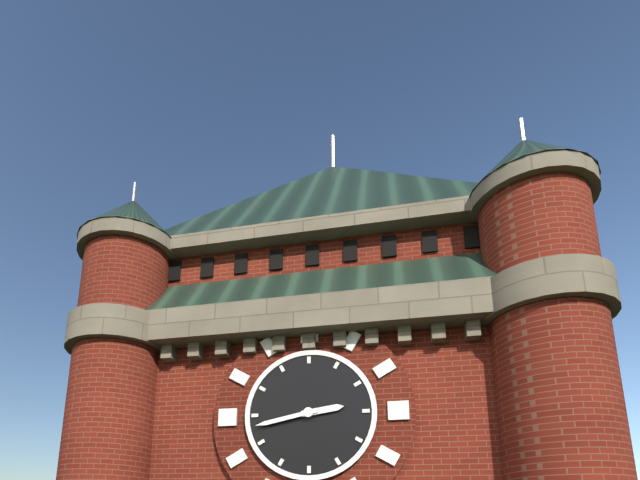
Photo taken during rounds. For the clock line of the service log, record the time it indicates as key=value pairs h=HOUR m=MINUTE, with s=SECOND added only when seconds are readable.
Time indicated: h=2 m=43
